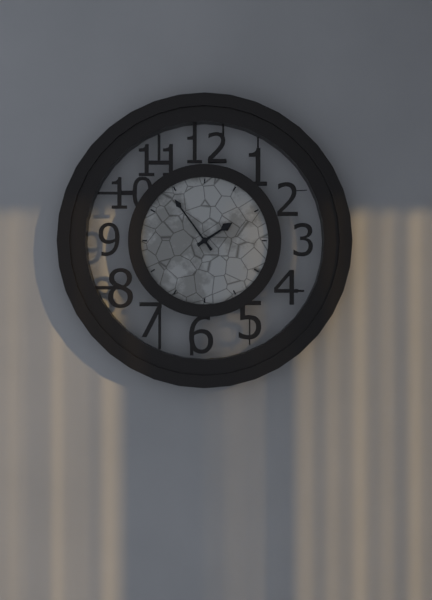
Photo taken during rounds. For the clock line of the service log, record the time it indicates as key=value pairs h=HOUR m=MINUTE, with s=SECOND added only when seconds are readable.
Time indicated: h=1 m=54
